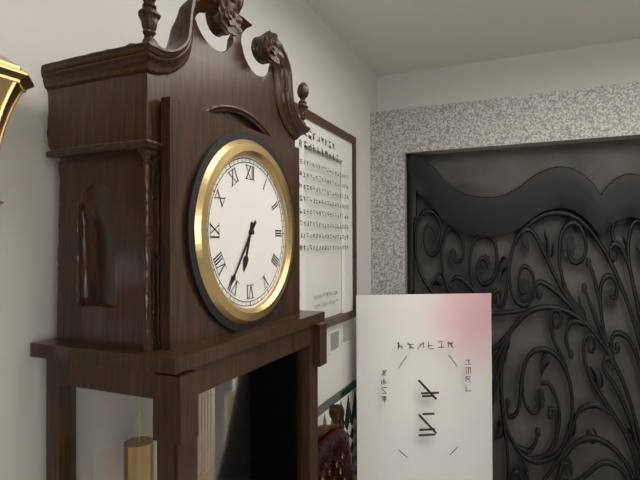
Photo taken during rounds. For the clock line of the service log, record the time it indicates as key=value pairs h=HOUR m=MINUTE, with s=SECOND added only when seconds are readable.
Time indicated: h=6 m=36
